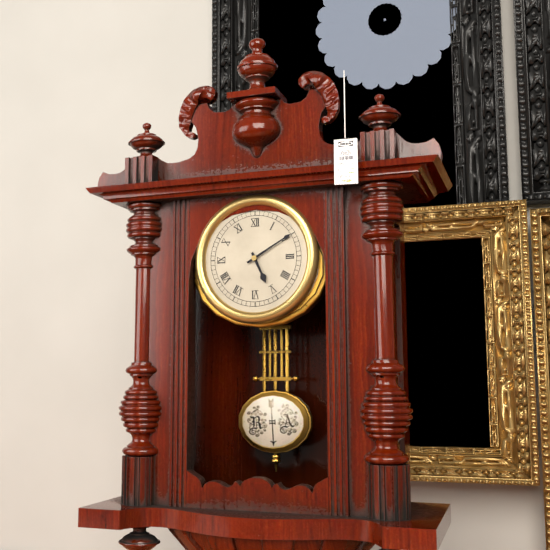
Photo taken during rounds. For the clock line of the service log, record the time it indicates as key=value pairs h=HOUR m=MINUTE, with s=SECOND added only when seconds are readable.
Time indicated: h=5 m=10
